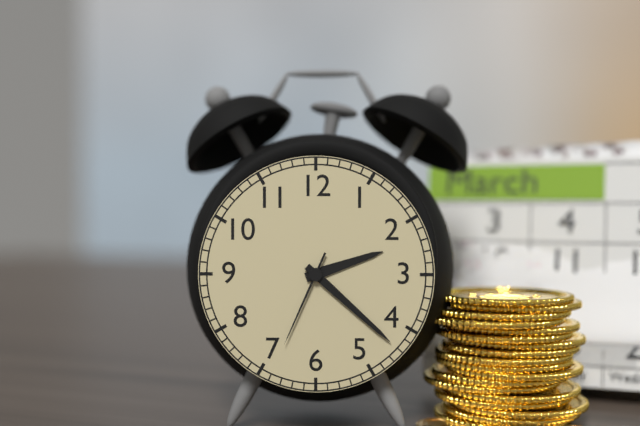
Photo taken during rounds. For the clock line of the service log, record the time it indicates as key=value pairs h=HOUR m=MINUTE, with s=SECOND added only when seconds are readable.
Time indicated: h=2 m=22 s=34
